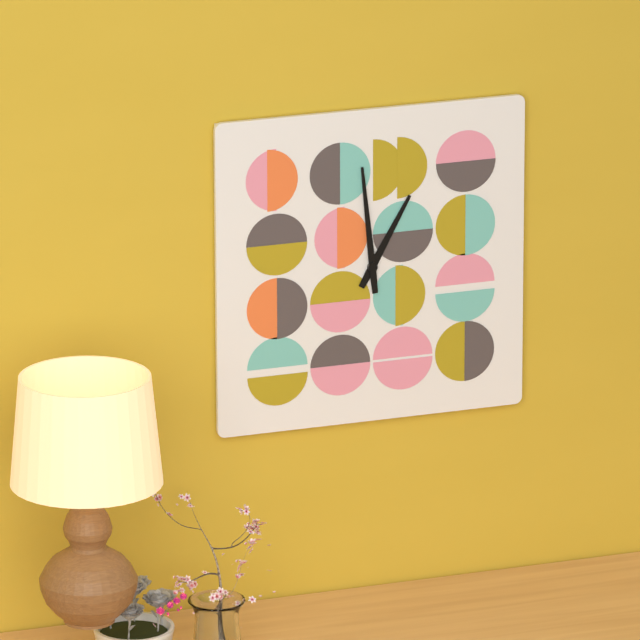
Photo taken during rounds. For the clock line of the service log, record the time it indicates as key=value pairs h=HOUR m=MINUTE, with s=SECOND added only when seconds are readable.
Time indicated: h=12 m=59
